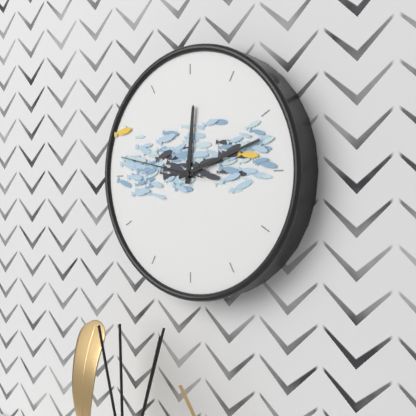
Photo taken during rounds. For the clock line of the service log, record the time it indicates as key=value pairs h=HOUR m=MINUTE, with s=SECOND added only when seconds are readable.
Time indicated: h=12 m=12 s=47
